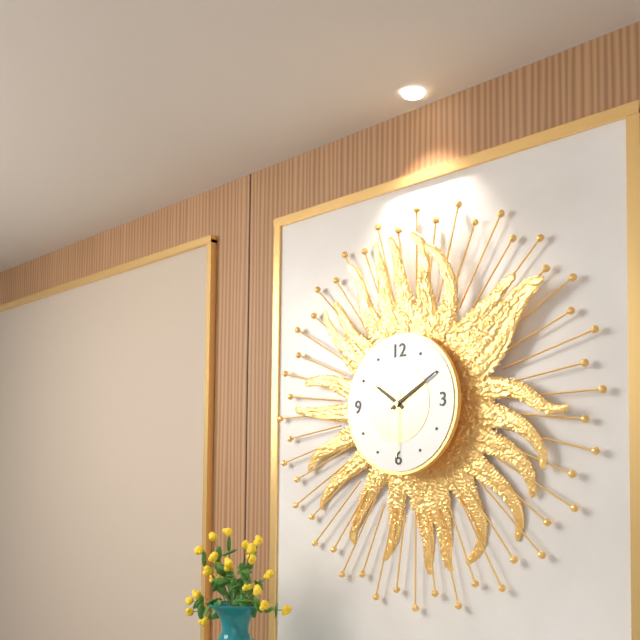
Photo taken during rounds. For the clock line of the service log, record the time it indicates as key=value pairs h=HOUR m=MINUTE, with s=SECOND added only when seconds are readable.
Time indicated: h=10 m=10 s=30
